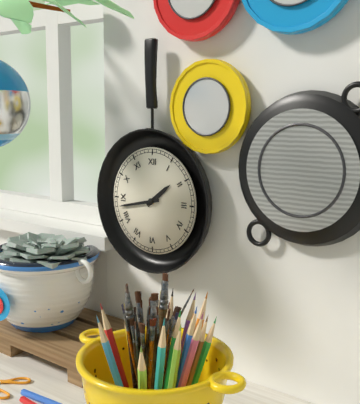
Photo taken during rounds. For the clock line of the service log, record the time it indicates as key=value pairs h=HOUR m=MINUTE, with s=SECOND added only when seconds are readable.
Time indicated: h=1 m=43
